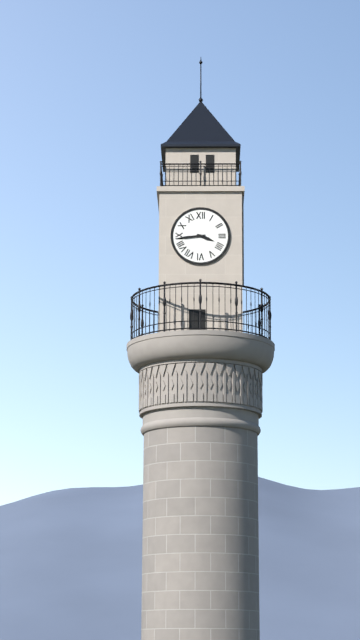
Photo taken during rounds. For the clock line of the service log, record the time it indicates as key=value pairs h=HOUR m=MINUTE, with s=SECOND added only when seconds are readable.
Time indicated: h=3 m=44
